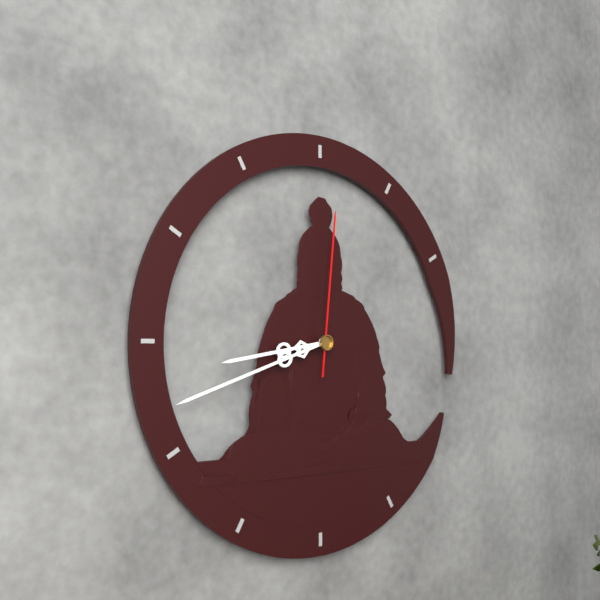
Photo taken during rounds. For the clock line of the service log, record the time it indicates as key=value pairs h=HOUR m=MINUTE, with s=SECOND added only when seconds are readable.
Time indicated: h=8 m=42 s=1
